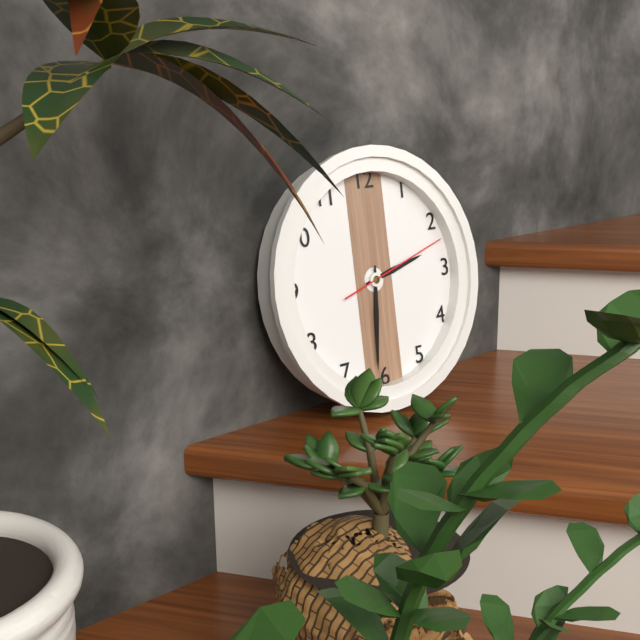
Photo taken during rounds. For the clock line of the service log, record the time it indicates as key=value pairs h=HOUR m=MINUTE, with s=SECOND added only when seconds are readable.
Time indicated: h=2 m=31 s=12
